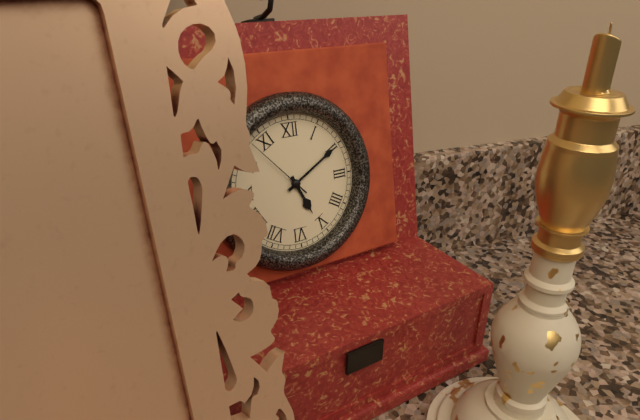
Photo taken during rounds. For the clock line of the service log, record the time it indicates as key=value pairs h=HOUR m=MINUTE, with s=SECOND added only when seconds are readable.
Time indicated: h=5 m=10 s=53
